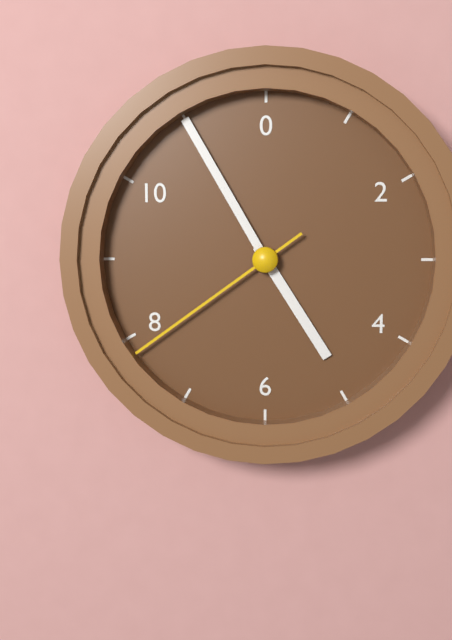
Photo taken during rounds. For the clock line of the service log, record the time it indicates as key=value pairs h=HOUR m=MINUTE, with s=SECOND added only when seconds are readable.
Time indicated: h=4 m=55 s=39
